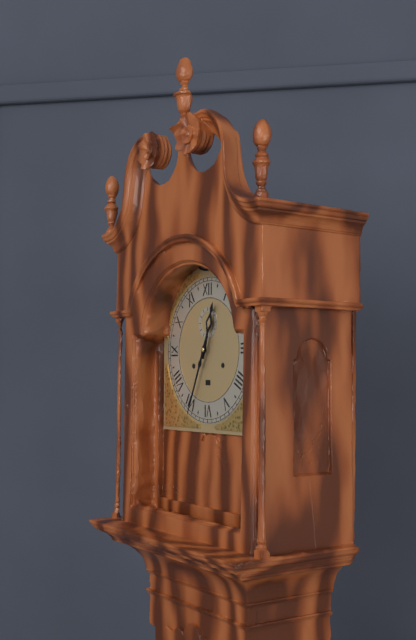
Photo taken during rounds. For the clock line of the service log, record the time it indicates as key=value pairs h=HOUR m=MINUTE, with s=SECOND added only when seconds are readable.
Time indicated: h=12 m=34
